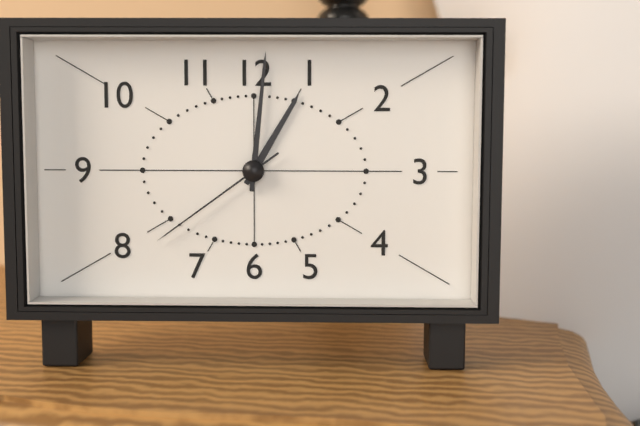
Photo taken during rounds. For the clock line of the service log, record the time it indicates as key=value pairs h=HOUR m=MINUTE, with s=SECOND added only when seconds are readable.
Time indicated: h=1 m=1 s=39
